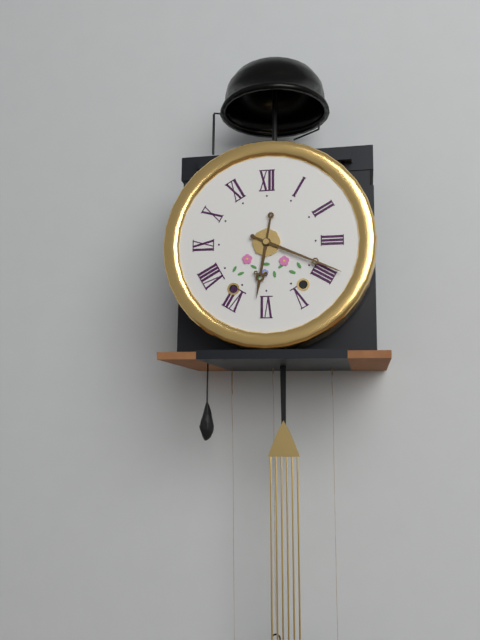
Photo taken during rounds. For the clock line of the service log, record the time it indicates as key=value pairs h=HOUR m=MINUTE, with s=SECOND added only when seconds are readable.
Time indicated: h=6 m=19
